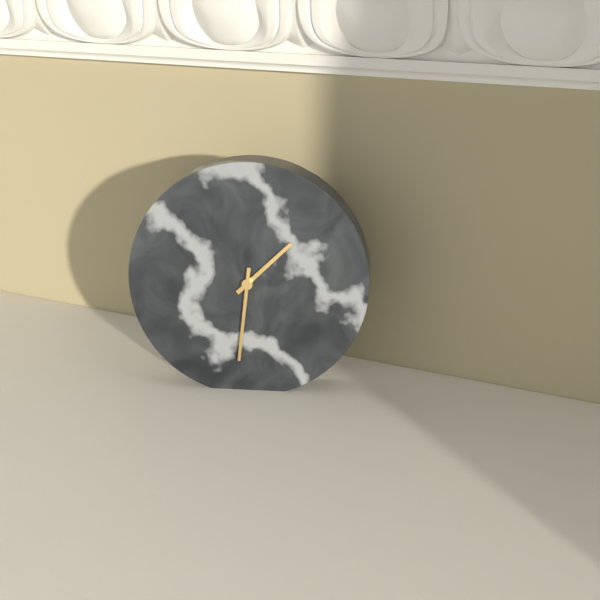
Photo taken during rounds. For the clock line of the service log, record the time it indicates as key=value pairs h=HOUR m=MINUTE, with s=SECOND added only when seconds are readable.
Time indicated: h=1 m=31
